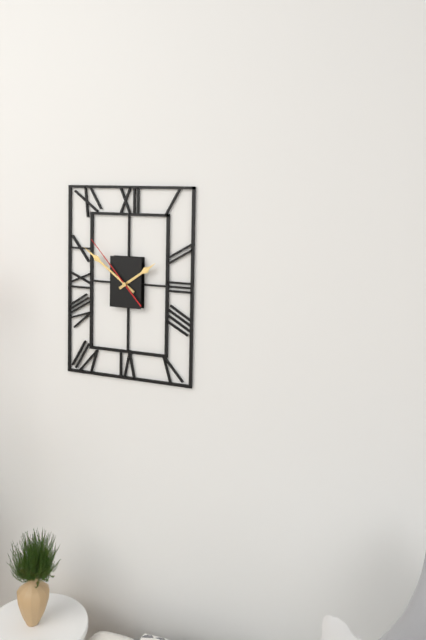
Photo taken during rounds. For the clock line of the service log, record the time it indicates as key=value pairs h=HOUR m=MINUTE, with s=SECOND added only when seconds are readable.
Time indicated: h=1 m=51 s=53
